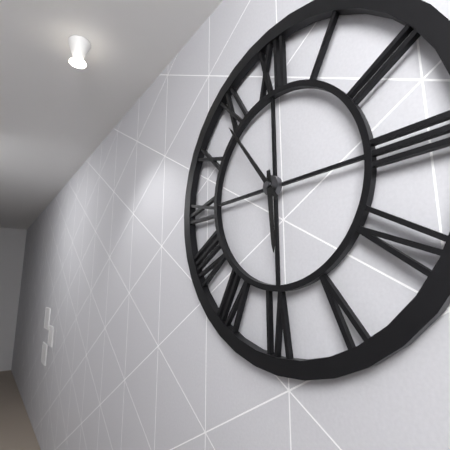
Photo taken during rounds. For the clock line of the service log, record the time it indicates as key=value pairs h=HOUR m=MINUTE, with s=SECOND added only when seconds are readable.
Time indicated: h=5 m=54
